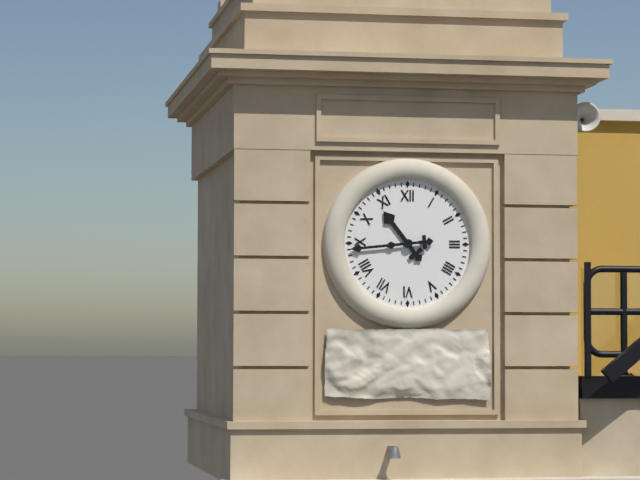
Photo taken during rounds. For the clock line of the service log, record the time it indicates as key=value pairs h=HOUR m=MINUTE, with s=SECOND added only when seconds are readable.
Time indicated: h=10 m=44
